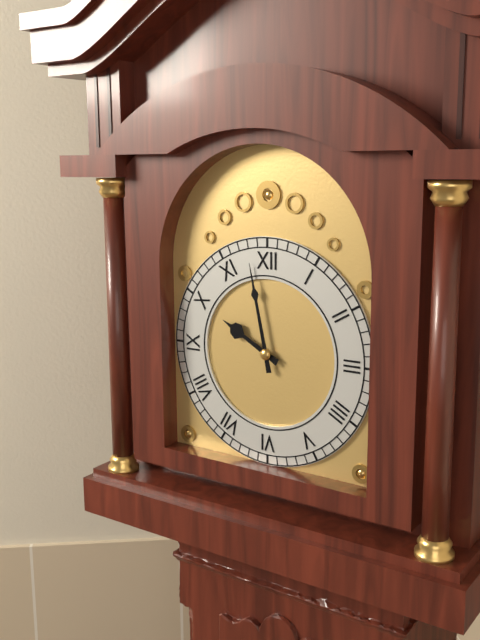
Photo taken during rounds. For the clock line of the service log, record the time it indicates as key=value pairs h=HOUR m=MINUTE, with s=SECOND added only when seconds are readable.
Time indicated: h=9 m=58
